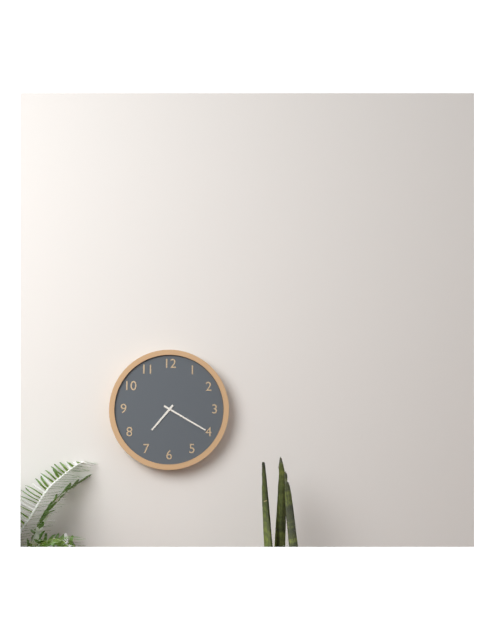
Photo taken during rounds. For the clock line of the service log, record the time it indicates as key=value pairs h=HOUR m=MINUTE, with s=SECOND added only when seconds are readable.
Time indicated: h=7 m=20
